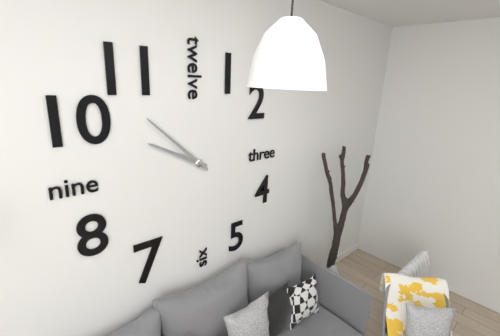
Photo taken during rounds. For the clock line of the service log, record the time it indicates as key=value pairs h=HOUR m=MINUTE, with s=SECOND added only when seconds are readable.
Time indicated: h=9 m=52
